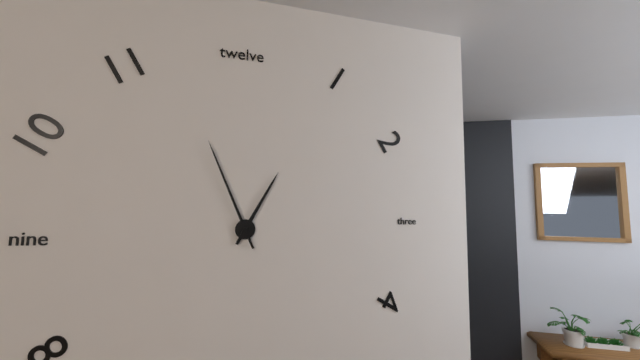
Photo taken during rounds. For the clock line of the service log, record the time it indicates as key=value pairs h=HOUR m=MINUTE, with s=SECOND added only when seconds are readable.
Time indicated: h=12 m=56
